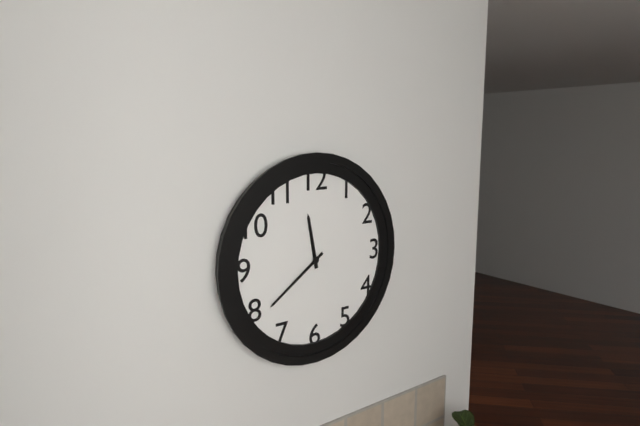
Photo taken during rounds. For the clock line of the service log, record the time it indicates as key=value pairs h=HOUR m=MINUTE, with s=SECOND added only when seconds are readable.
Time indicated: h=11 m=39
